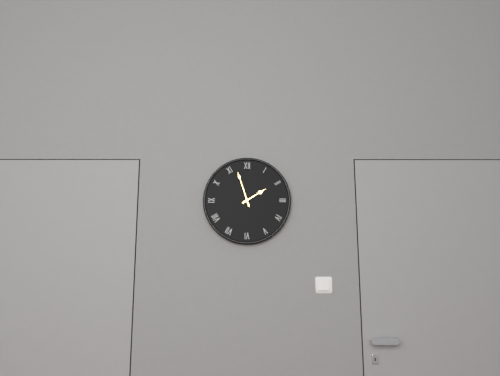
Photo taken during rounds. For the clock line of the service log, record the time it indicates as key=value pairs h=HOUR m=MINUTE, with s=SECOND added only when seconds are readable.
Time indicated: h=1 m=57
